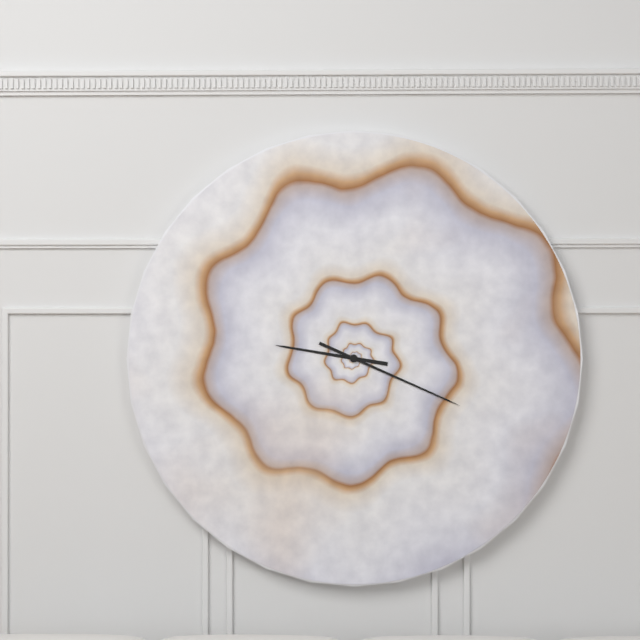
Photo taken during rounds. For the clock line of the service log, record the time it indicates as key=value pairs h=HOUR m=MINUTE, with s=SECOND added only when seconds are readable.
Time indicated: h=9 m=19
